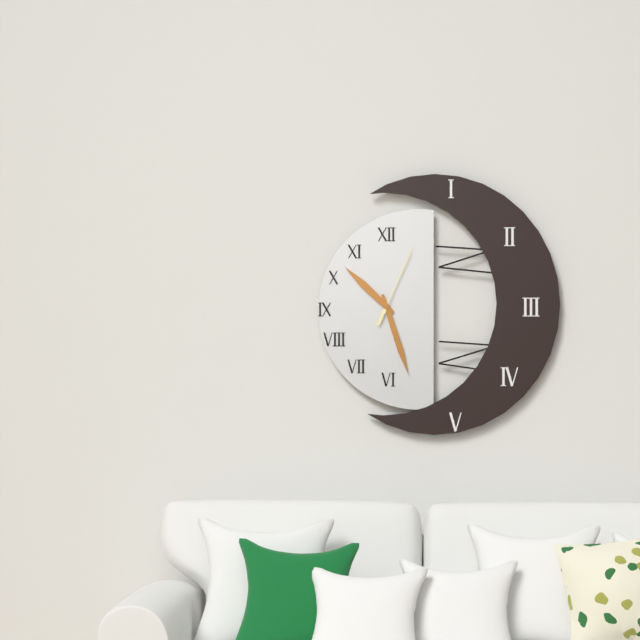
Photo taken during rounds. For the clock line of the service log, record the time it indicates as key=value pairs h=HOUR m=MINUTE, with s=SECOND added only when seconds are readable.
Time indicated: h=10 m=27 s=4
